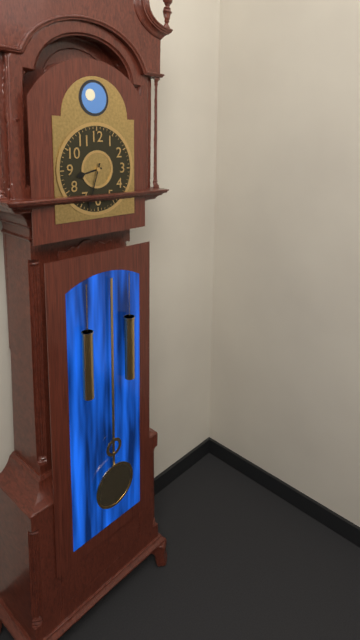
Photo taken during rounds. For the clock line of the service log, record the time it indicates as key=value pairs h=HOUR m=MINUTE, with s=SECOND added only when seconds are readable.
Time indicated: h=8 m=33
